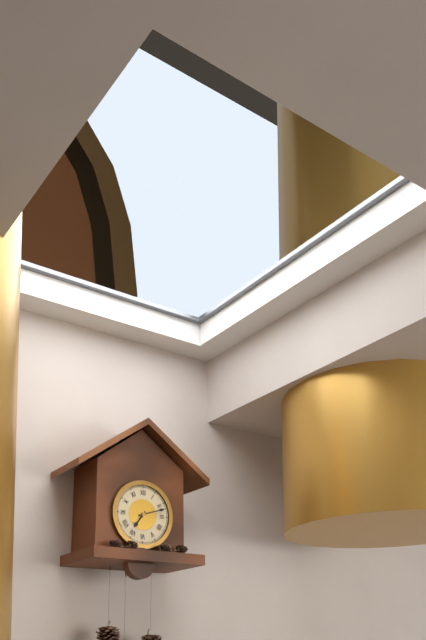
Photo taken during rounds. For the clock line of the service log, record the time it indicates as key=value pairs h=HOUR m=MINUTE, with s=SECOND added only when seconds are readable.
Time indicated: h=7 m=12
